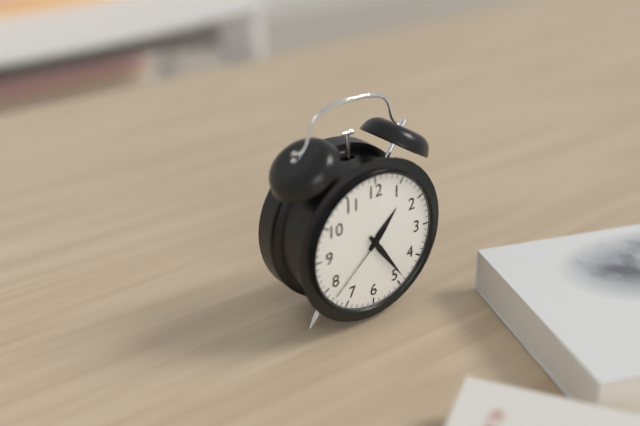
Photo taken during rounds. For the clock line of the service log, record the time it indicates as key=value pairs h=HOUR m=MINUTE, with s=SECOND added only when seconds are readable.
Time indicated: h=1 m=24 s=38
